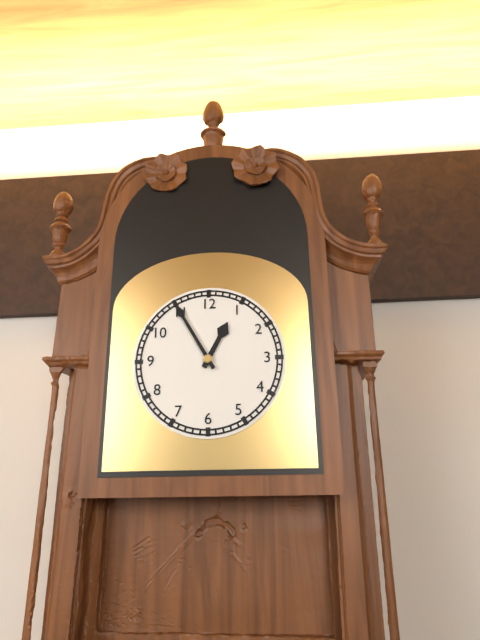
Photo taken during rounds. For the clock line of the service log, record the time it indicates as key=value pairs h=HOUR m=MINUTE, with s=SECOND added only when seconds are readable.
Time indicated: h=12 m=55
